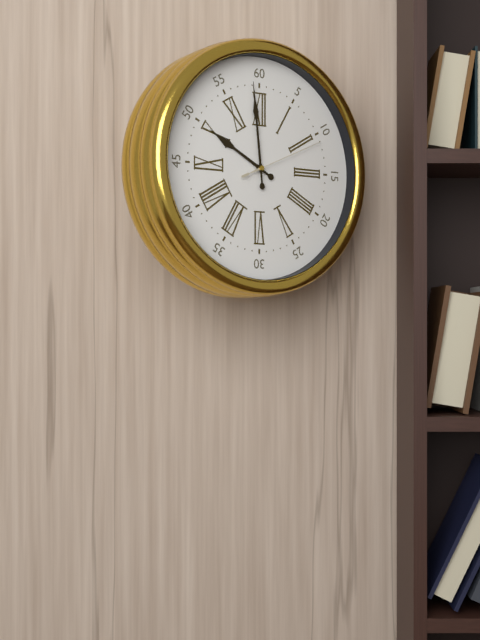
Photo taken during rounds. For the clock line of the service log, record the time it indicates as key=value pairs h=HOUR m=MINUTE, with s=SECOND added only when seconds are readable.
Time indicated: h=9 m=59 s=11
